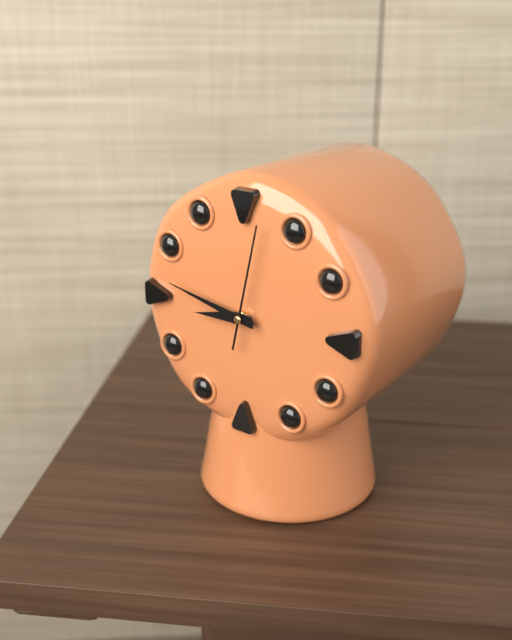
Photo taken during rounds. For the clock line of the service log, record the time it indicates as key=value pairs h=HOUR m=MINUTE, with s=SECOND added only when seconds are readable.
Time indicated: h=8 m=47 s=2
